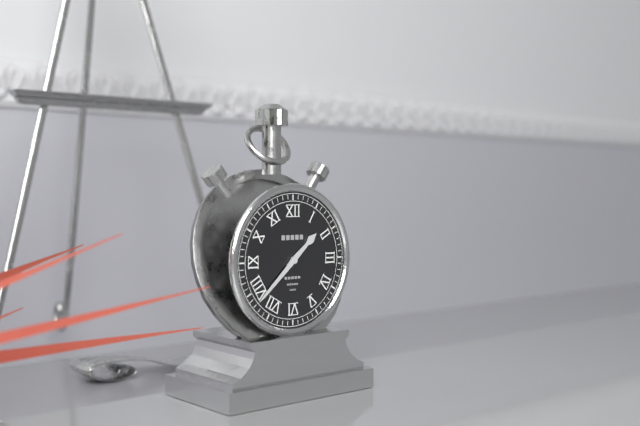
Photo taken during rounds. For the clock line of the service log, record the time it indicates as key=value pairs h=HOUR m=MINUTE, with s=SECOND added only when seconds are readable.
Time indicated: h=1 m=38
